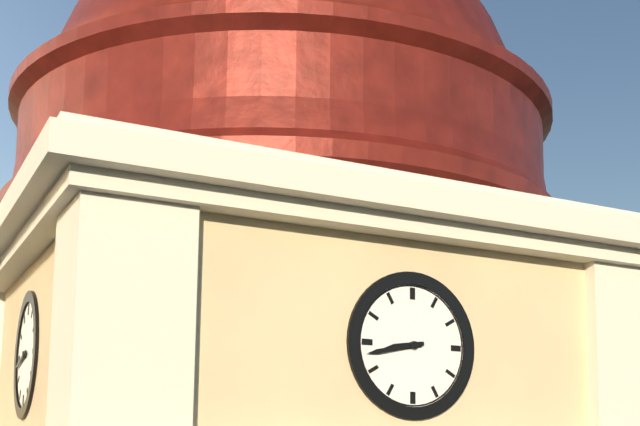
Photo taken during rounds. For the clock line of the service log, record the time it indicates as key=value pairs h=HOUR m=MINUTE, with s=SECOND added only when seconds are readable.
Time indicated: h=8 m=43
